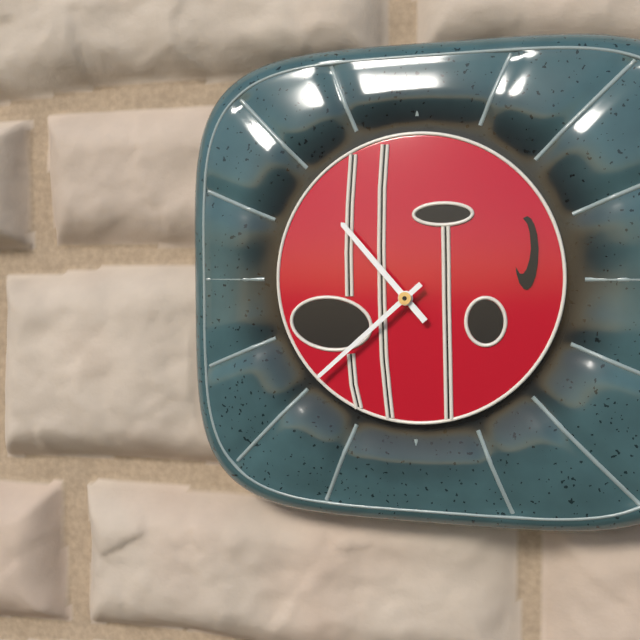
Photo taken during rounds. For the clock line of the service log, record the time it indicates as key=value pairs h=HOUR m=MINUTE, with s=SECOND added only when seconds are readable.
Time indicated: h=10 m=38
